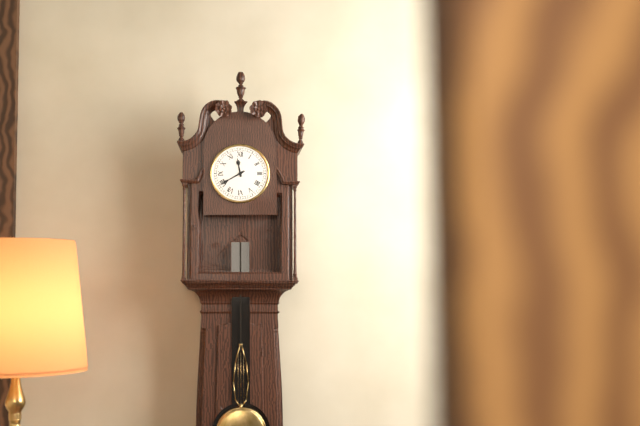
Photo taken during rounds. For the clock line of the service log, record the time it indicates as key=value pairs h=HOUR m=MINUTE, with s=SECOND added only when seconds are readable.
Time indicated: h=11 m=40
